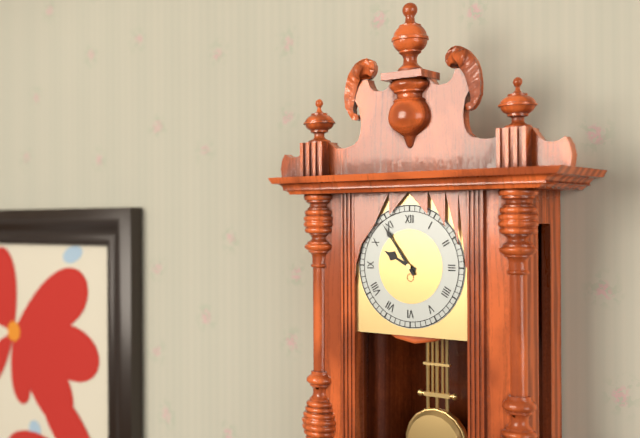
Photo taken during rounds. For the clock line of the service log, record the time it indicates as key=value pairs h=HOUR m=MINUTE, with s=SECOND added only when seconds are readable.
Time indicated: h=9 m=54
